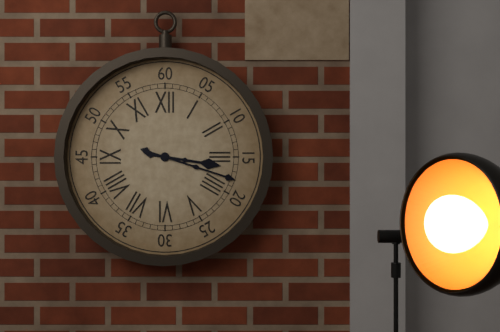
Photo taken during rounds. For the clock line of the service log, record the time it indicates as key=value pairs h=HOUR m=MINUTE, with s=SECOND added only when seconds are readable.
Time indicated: h=3 m=18
